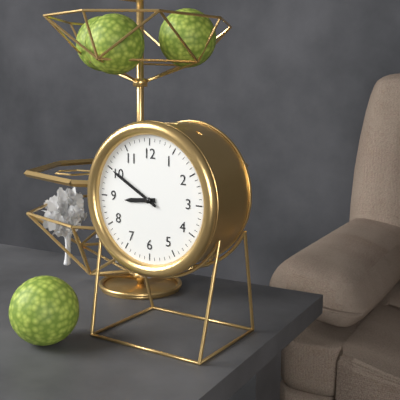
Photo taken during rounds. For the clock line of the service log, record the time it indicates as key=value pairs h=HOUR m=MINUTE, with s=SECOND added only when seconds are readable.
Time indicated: h=8 m=50
